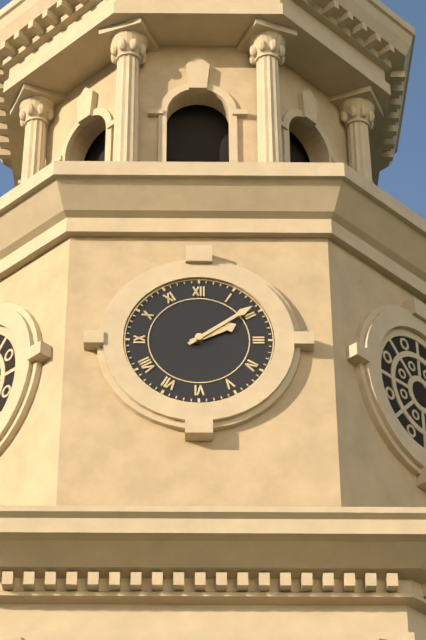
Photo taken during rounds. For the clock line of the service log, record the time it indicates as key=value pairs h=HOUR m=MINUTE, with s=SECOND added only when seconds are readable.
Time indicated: h=2 m=9
